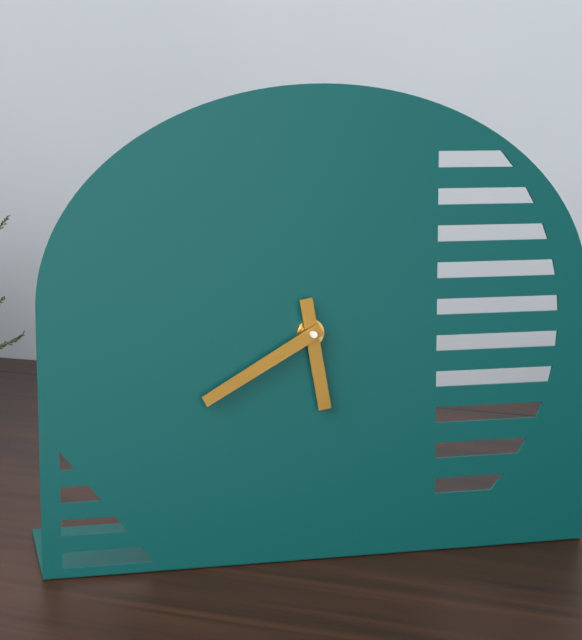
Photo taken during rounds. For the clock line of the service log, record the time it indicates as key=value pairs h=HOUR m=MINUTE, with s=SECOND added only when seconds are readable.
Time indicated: h=5 m=40
